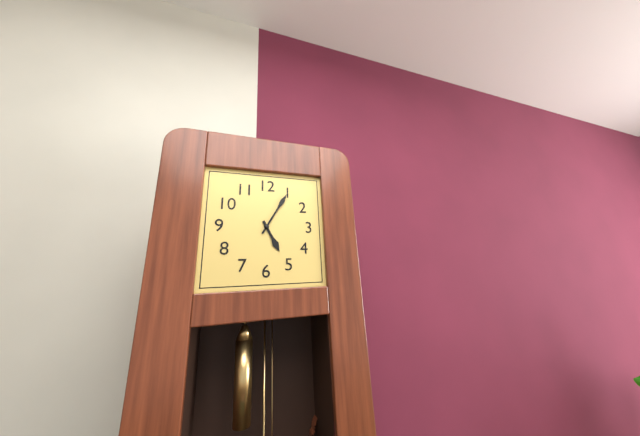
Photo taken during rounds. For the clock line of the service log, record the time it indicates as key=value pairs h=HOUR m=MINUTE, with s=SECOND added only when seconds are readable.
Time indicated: h=5 m=5
